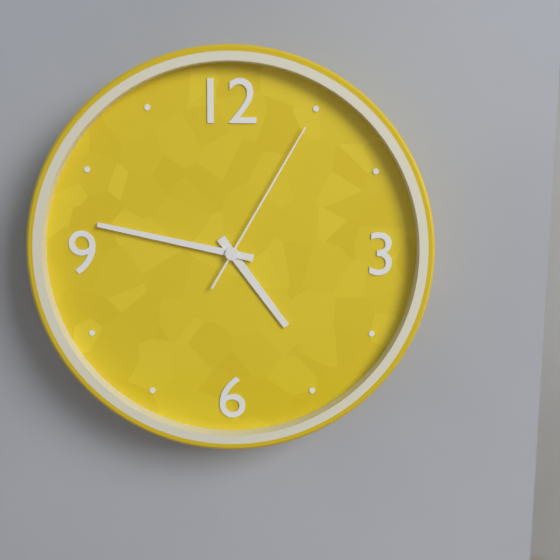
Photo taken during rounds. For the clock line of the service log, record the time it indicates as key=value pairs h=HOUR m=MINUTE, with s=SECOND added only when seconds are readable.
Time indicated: h=4 m=47 s=5
